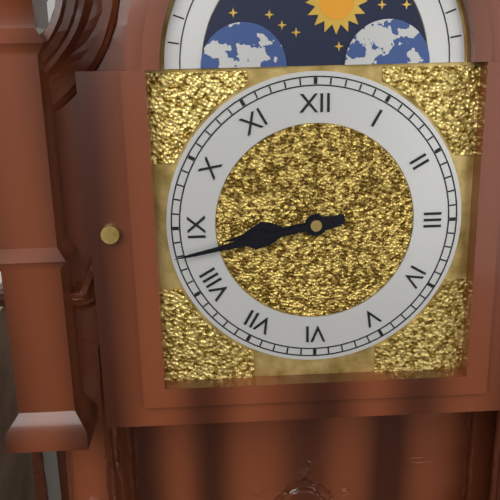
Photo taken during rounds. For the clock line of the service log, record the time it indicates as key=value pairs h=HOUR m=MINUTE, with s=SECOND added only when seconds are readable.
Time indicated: h=8 m=43
